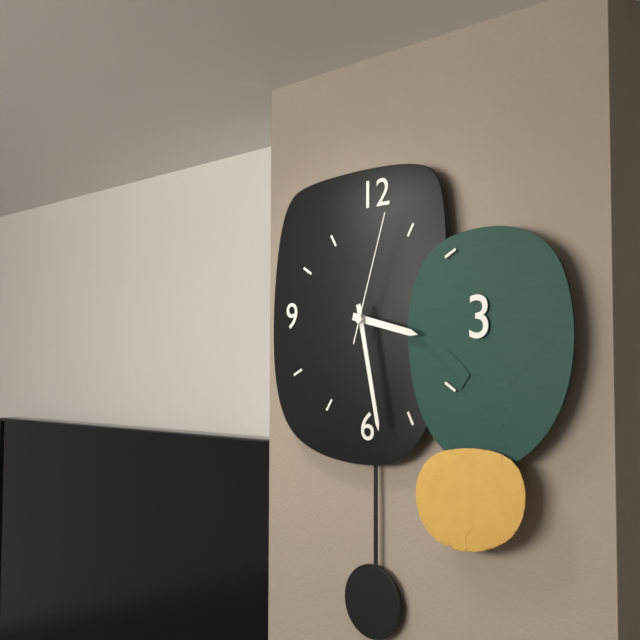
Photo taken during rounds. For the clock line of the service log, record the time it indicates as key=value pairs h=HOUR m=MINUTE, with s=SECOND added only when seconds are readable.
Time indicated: h=3 m=28 s=3
